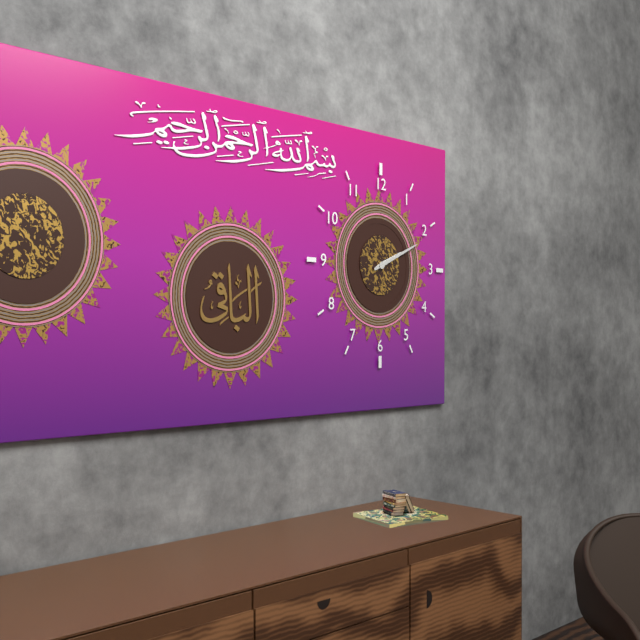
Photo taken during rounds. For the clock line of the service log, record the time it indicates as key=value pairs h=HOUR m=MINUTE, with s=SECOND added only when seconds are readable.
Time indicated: h=2 m=11
